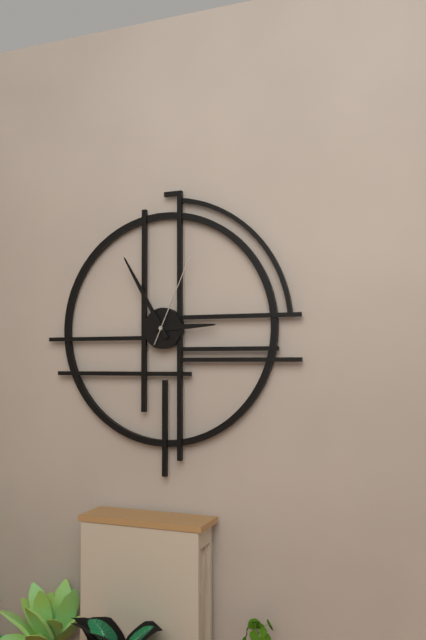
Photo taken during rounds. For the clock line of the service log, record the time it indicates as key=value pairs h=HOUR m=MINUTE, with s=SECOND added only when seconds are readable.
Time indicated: h=2 m=55 s=4
